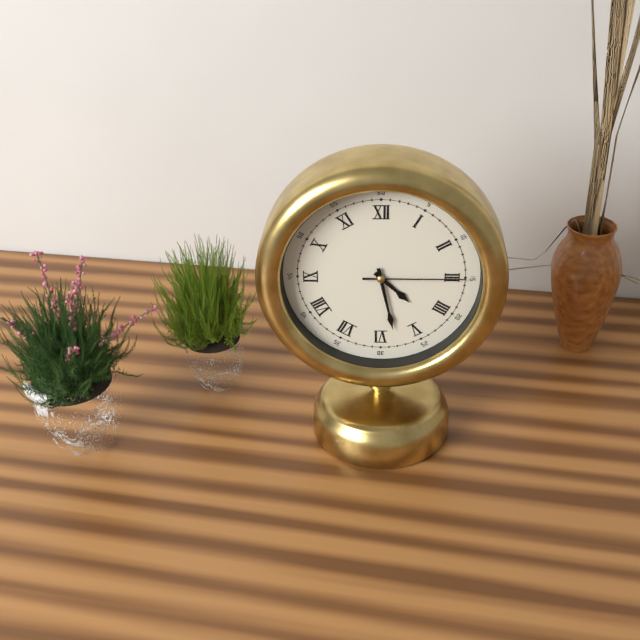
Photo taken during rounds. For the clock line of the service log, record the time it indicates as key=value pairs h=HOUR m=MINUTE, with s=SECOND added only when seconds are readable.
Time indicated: h=4 m=28 s=15
